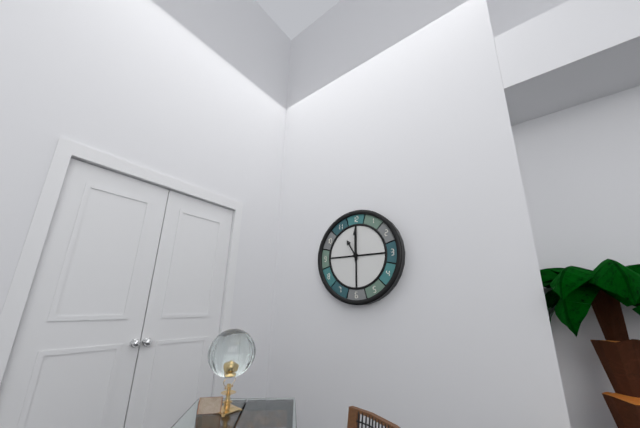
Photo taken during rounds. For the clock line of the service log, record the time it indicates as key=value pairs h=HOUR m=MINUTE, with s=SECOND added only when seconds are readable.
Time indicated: h=11 m=0
